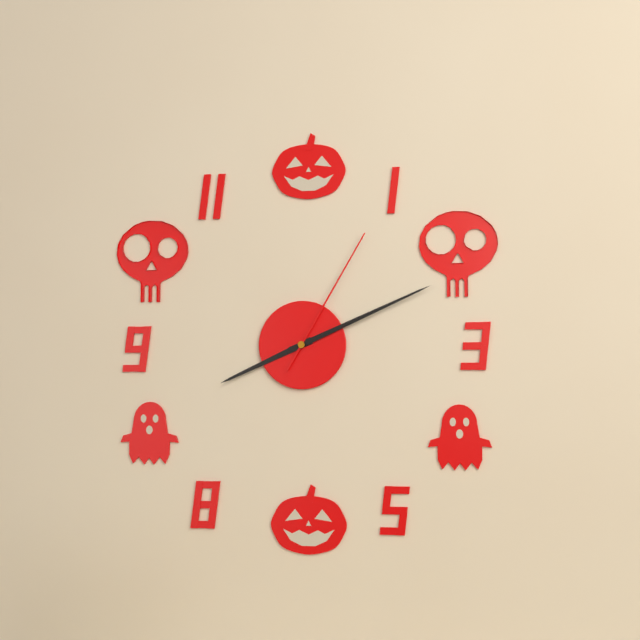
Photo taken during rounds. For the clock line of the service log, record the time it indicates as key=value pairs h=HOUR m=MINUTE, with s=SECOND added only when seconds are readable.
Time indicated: h=8 m=11 s=5
